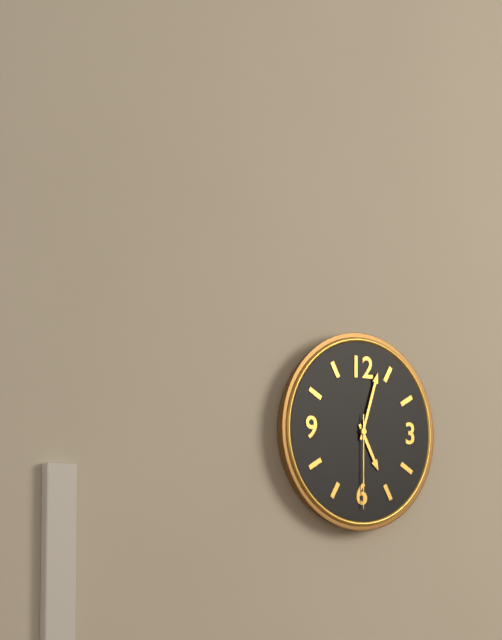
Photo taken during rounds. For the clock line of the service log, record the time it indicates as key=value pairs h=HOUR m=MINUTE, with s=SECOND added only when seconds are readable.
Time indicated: h=5 m=3 s=30
